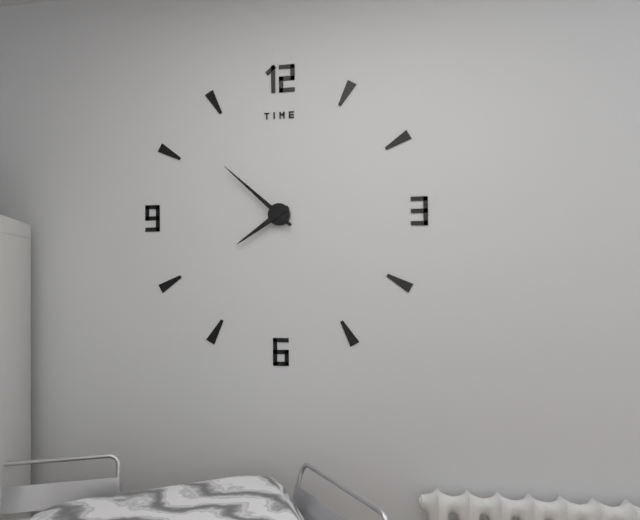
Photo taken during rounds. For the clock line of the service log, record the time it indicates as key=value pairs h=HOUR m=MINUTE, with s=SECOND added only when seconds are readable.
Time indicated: h=7 m=52
